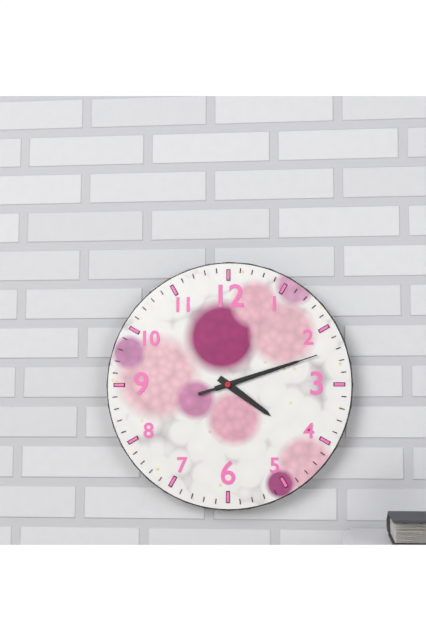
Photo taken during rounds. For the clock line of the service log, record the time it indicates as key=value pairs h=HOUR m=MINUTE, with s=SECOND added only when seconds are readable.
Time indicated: h=4 m=12 s=12
